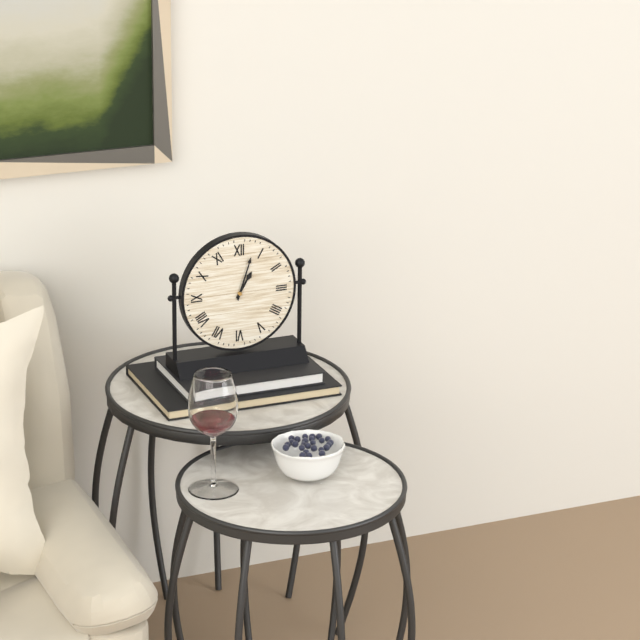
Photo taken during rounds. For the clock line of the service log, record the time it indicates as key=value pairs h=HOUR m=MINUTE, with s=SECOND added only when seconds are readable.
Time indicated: h=1 m=3
